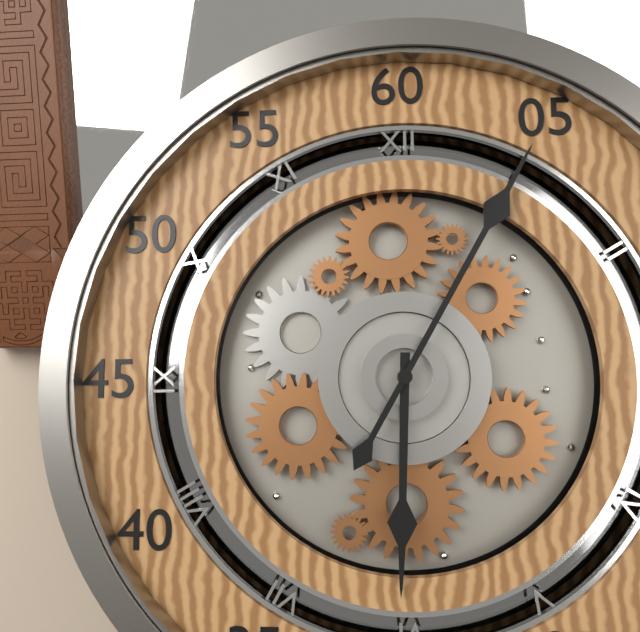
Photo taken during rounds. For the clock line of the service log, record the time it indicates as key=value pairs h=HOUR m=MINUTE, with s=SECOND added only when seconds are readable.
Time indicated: h=6 m=5
